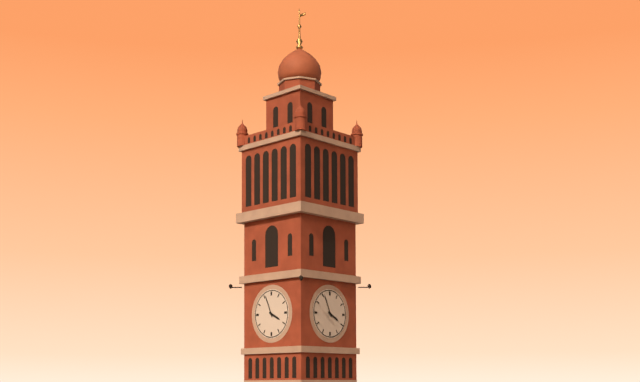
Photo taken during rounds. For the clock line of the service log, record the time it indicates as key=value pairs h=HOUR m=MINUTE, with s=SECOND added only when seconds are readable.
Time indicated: h=3 m=56
